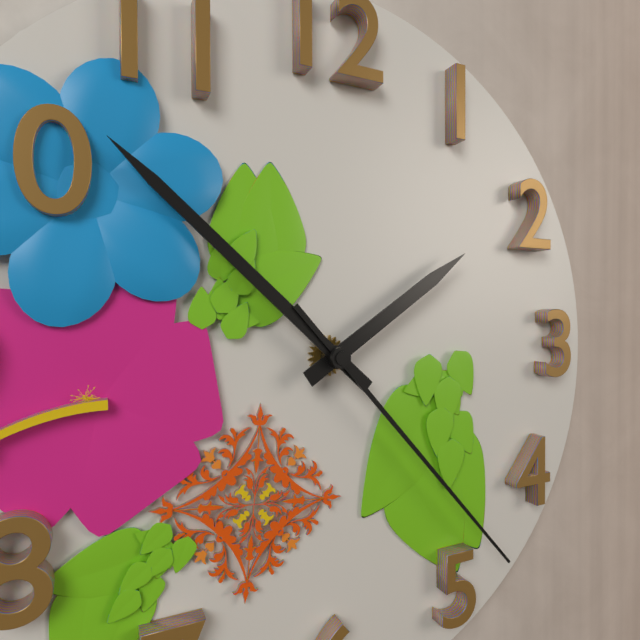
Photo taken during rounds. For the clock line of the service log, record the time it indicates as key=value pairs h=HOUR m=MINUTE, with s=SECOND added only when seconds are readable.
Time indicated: h=1 m=52 s=23
